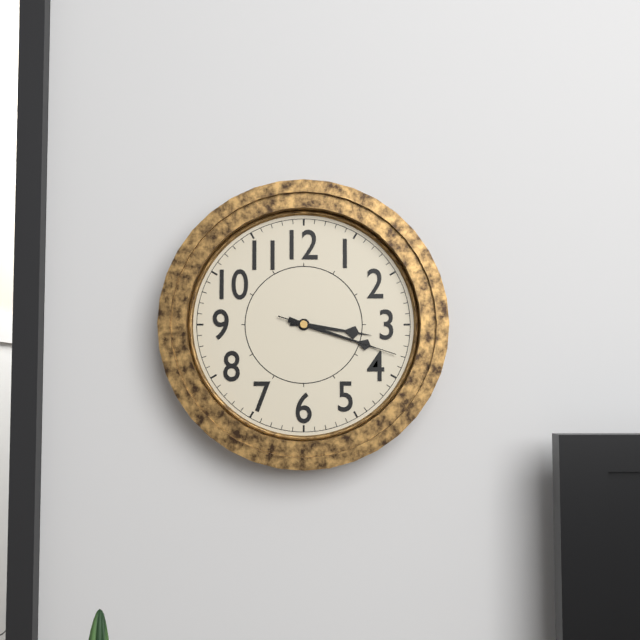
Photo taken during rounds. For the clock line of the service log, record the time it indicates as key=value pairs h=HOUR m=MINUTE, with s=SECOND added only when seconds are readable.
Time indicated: h=3 m=18 s=18
